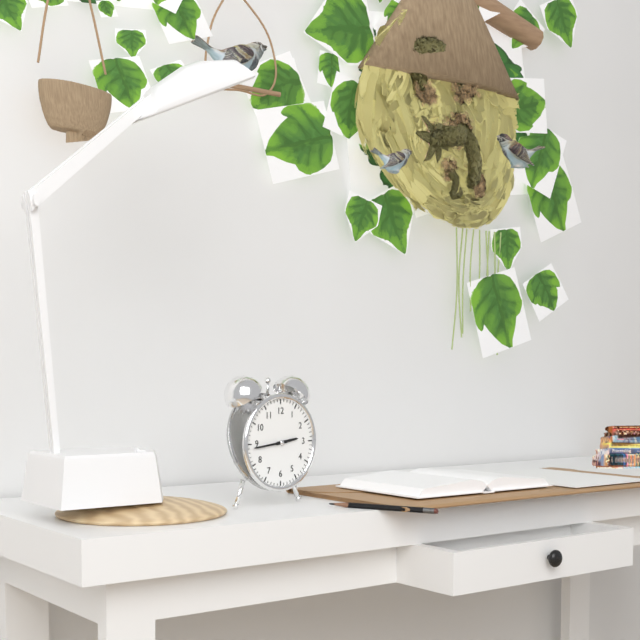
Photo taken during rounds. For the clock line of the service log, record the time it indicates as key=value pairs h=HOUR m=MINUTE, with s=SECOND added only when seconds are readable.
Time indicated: h=2 m=44
